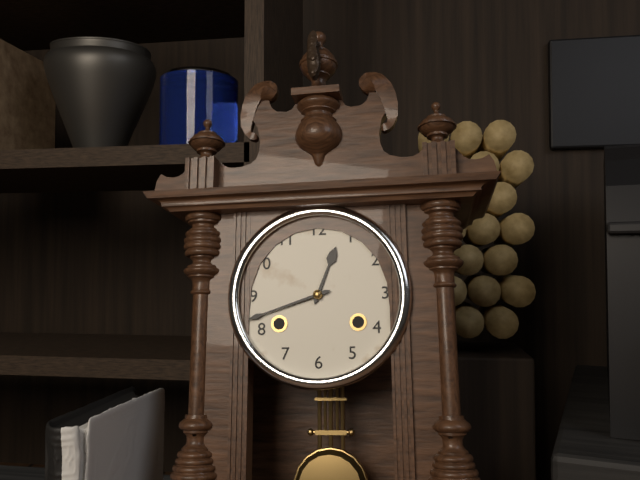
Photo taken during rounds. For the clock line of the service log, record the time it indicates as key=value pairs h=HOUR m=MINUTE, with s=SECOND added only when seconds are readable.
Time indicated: h=12 m=42
